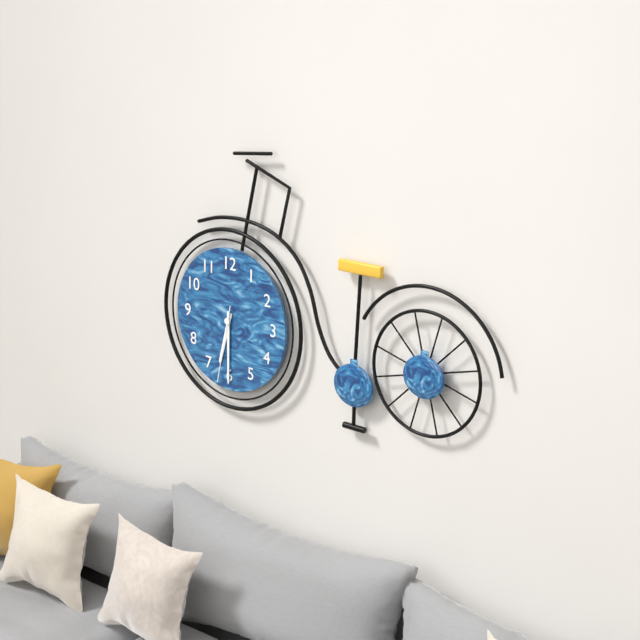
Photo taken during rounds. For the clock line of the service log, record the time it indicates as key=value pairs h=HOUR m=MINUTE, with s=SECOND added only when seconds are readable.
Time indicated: h=6 m=30 s=32
